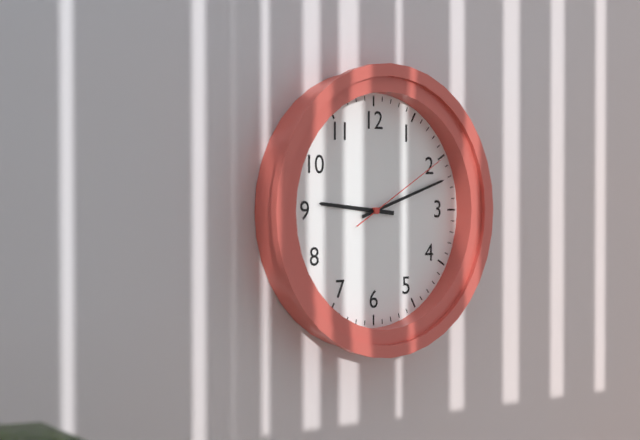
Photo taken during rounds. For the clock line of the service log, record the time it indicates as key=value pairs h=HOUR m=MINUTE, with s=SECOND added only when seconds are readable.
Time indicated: h=9 m=12 s=10
